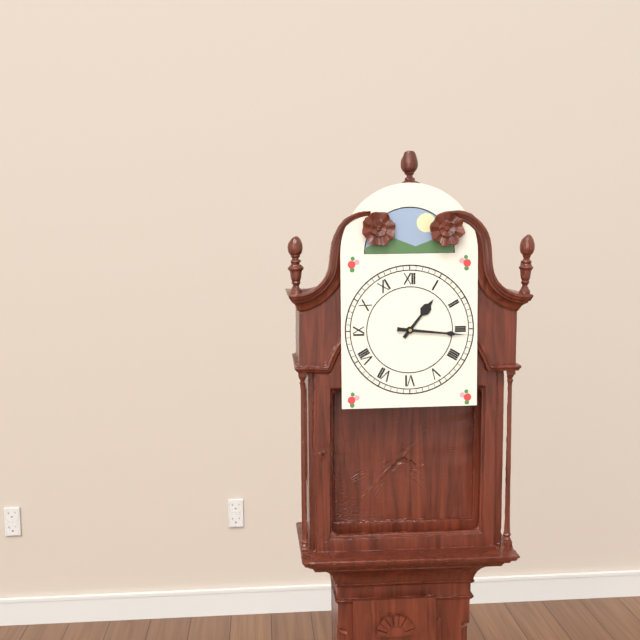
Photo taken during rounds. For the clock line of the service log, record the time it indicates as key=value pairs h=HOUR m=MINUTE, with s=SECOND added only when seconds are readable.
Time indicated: h=1 m=16
